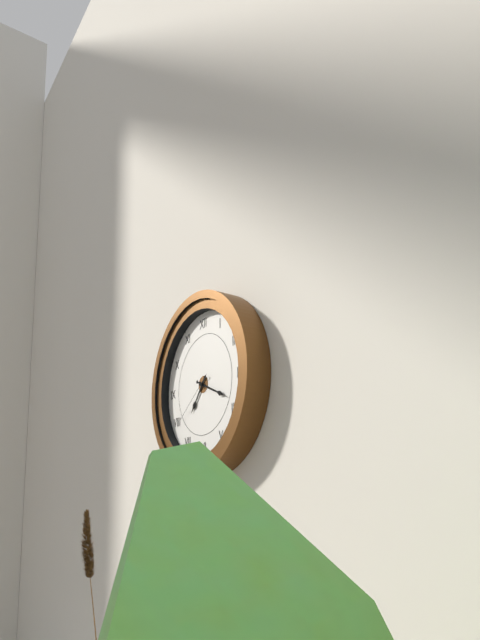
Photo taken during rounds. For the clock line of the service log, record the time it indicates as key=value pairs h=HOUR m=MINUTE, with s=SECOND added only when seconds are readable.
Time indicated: h=7 m=19 s=39
